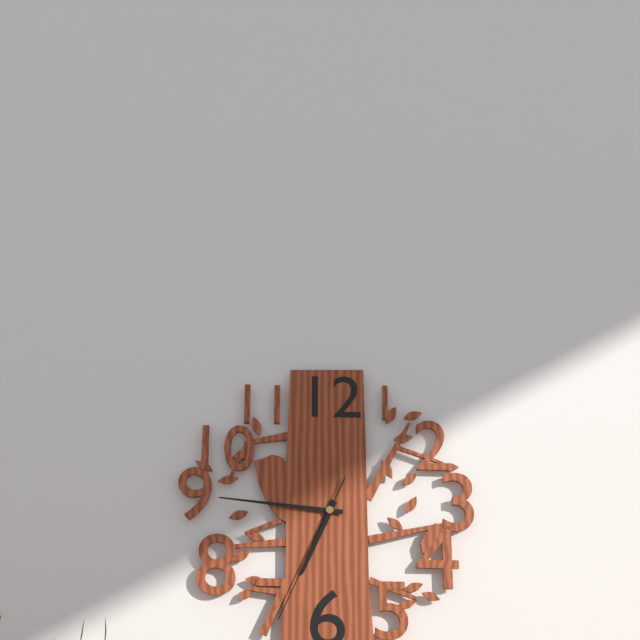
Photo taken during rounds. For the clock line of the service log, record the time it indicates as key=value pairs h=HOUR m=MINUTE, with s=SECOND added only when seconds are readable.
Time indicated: h=6 m=46 s=34
